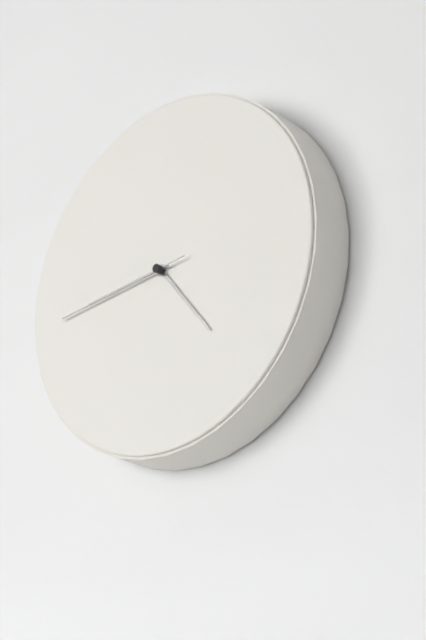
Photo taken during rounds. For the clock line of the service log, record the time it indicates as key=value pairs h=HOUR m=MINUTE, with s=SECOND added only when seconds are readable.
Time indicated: h=4 m=44 s=44
